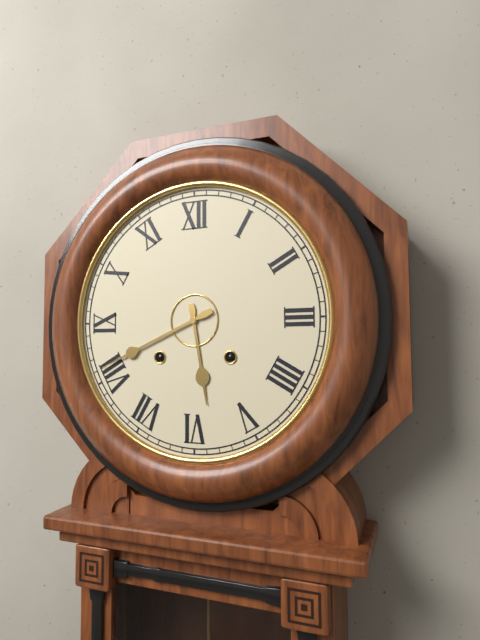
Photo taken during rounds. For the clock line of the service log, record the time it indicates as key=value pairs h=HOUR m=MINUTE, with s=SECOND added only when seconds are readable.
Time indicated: h=5 m=41
